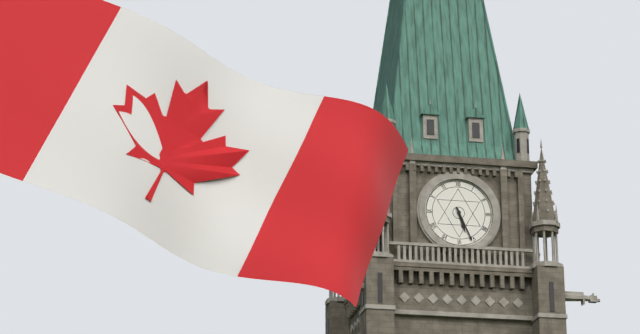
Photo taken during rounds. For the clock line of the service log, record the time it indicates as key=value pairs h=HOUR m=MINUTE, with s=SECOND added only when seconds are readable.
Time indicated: h=5 m=26
